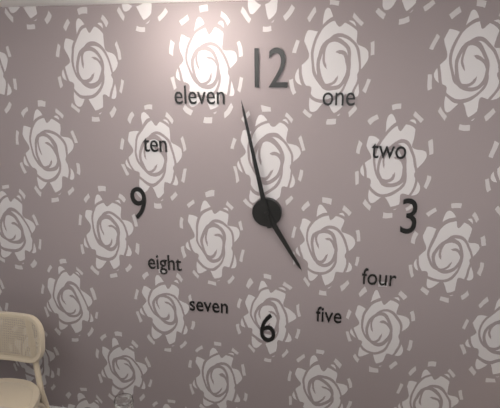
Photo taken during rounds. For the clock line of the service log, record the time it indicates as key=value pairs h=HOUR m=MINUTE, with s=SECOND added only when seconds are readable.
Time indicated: h=4 m=58
